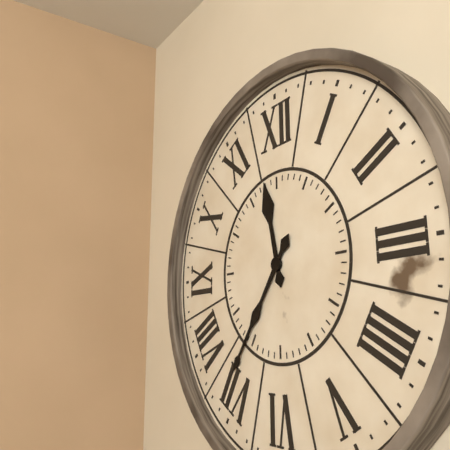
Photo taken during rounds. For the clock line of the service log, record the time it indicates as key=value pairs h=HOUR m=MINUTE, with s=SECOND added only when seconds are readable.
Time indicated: h=11 m=36
